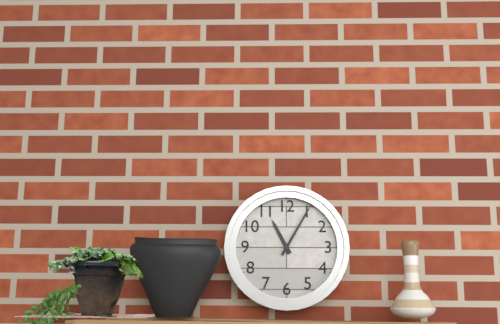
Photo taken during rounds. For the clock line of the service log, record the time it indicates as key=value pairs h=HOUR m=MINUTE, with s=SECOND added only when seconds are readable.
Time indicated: h=11 m=5
